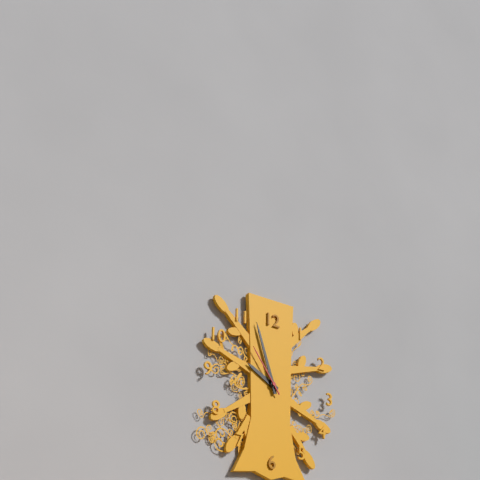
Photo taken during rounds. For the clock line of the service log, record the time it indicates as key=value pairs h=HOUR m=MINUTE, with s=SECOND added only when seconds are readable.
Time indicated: h=9 m=57 s=54
